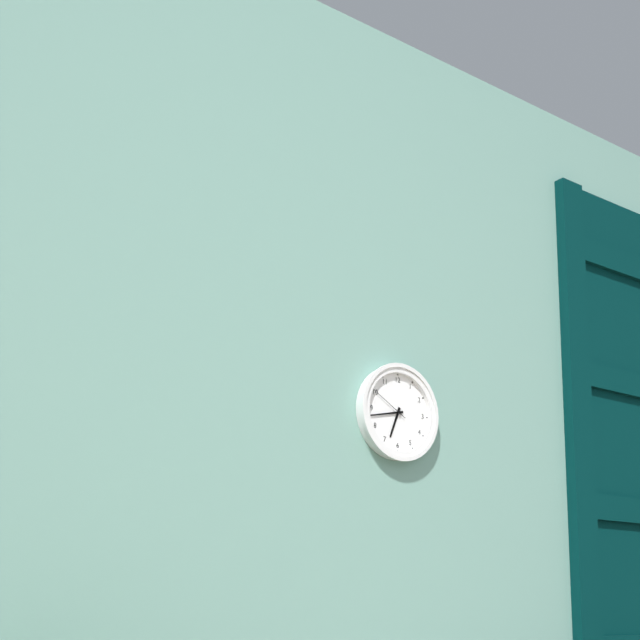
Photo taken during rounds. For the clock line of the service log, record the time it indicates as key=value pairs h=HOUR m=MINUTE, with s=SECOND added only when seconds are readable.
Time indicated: h=6 m=43
